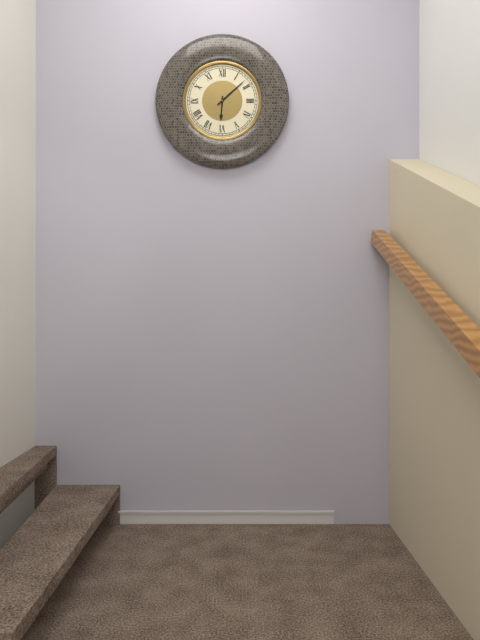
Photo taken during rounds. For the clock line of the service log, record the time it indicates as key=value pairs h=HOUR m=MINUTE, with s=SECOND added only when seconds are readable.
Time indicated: h=6 m=8
